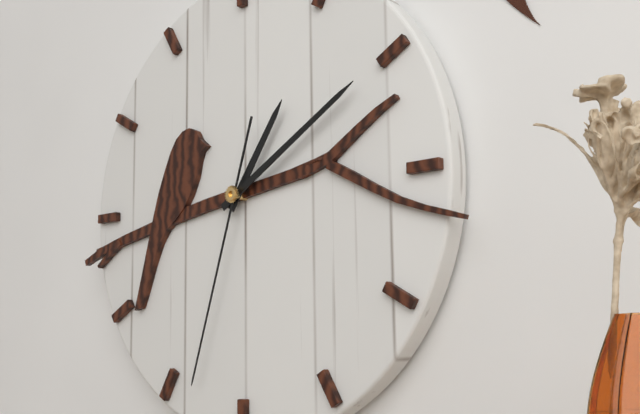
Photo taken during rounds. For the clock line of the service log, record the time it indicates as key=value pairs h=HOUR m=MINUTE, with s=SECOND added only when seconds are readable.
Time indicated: h=1 m=10 s=33
